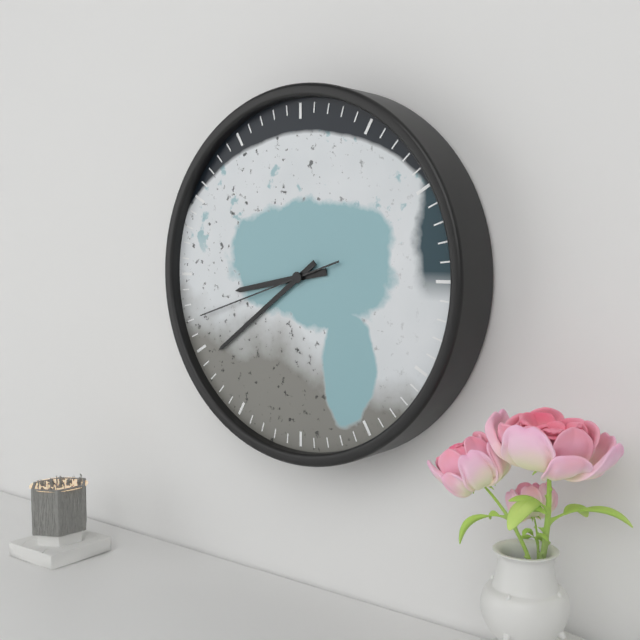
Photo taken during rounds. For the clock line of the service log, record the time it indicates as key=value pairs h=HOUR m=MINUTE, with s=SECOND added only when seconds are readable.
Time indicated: h=8 m=39 s=42
